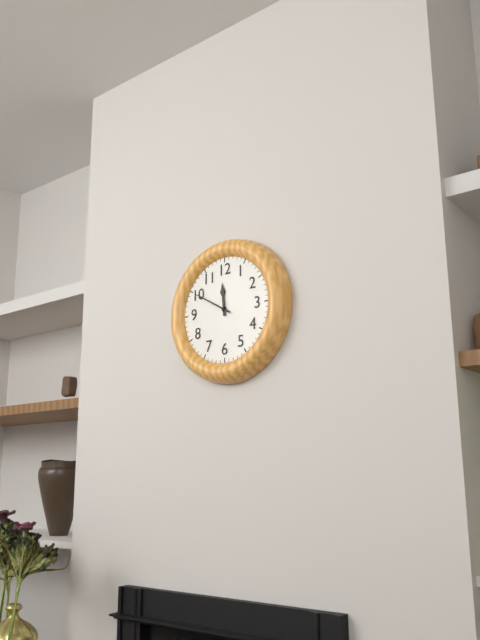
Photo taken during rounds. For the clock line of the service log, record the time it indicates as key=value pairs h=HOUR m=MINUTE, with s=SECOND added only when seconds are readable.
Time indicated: h=11 m=50
